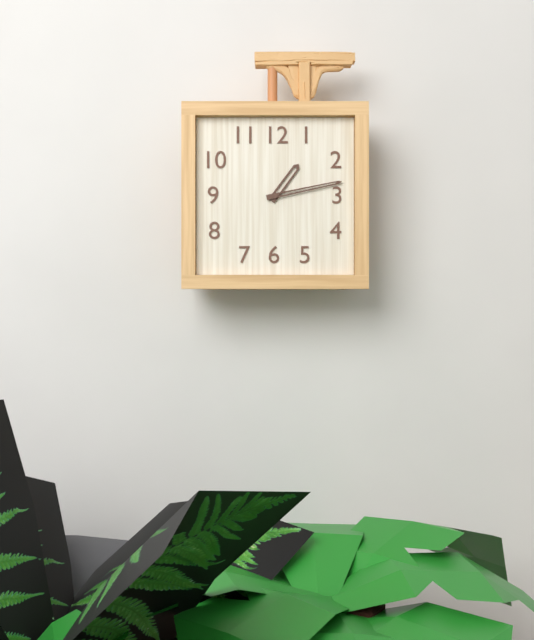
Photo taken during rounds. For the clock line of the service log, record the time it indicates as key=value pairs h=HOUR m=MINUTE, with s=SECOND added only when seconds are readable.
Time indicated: h=1 m=13
